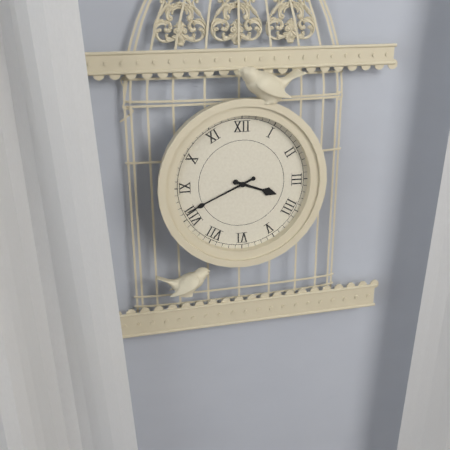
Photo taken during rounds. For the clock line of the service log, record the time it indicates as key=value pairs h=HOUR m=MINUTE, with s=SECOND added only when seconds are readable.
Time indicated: h=3 m=41
